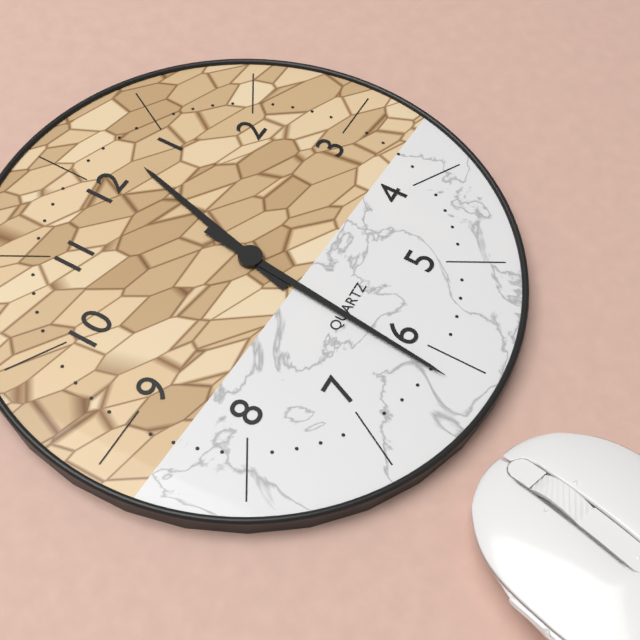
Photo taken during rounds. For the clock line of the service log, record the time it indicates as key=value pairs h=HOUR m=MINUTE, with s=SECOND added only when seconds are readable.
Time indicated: h=12 m=31
